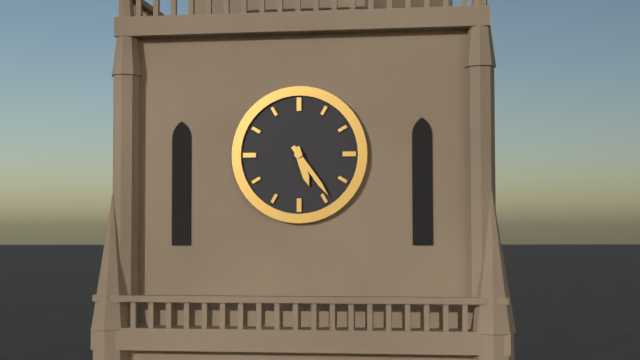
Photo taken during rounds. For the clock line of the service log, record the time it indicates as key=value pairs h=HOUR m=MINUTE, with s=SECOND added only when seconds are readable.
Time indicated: h=5 m=24
